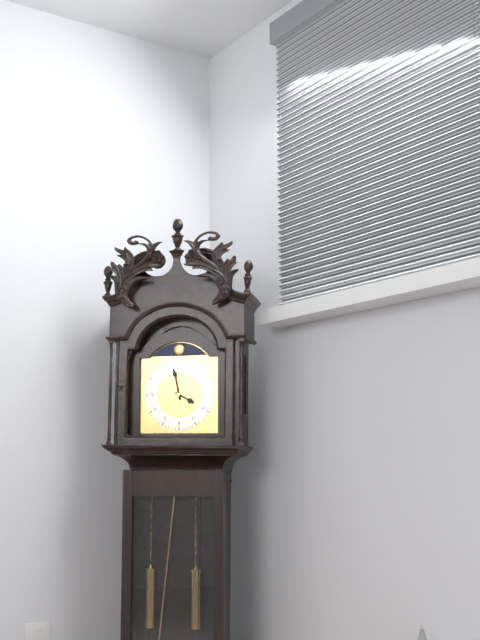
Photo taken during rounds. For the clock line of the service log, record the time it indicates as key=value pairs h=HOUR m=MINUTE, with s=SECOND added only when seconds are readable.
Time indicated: h=3 m=58
